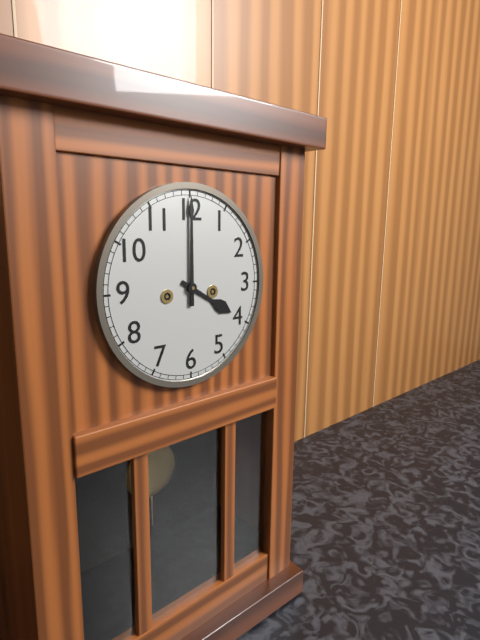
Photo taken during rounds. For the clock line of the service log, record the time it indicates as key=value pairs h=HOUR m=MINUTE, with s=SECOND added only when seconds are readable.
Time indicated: h=4 m=0
